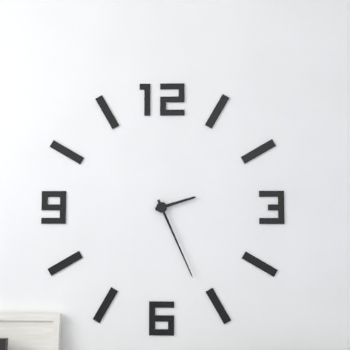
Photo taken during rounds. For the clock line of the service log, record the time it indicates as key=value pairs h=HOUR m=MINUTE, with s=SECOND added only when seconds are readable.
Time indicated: h=2 m=26
